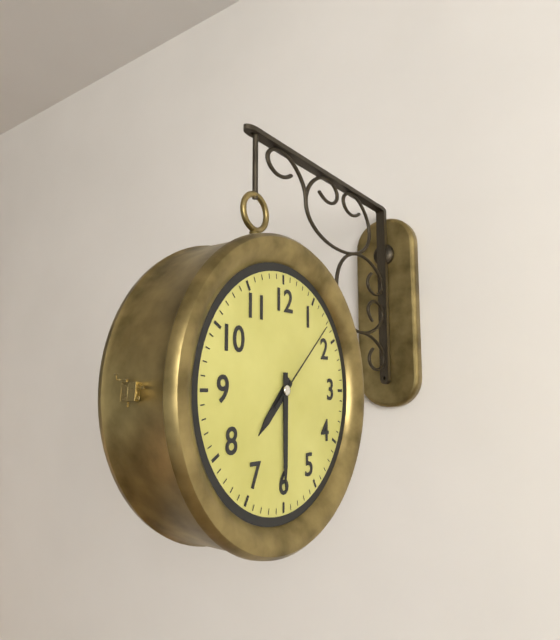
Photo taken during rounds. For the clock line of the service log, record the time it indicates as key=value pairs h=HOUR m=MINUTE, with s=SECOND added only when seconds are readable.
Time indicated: h=7 m=30 s=8
